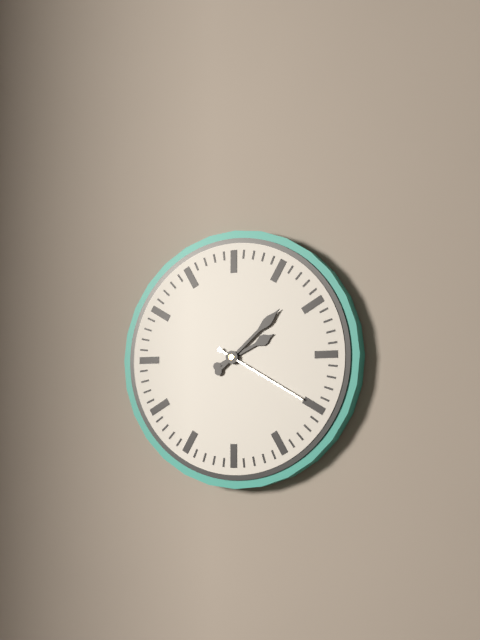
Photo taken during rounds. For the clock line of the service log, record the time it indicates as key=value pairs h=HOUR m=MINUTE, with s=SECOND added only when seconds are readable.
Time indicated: h=2 m=8 s=20
